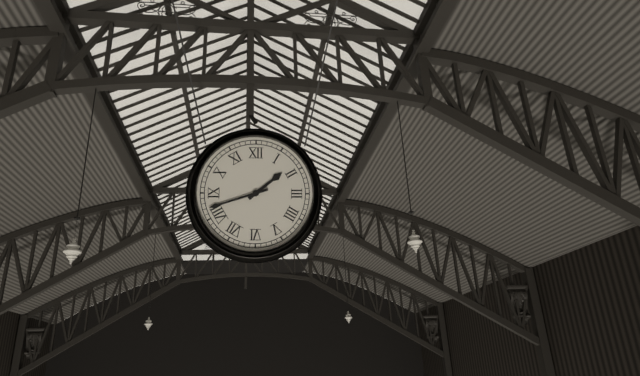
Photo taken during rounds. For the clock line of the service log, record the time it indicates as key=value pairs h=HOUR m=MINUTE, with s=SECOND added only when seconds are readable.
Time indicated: h=1 m=42
